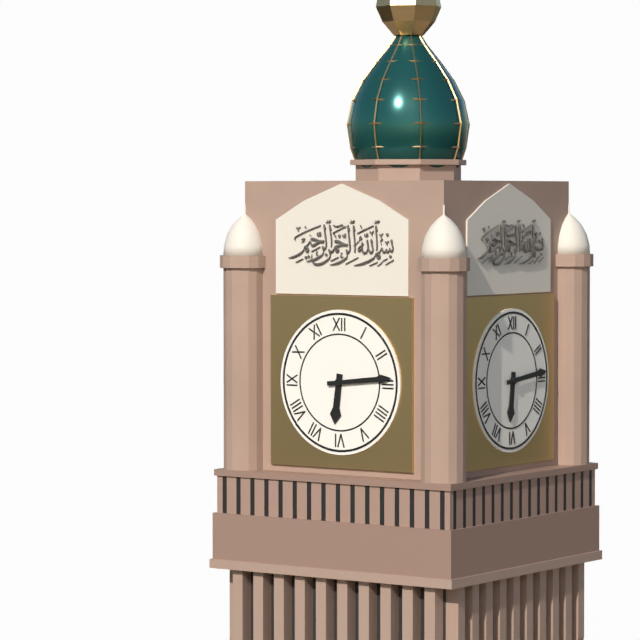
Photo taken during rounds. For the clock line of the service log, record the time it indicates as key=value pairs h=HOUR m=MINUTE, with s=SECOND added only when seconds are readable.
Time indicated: h=6 m=14
